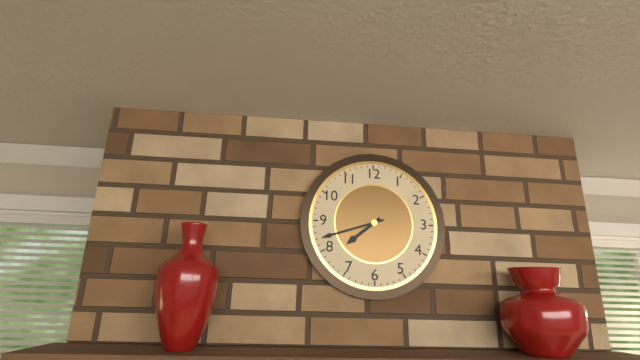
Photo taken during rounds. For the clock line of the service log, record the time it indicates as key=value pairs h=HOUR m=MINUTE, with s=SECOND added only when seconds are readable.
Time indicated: h=7 m=42
